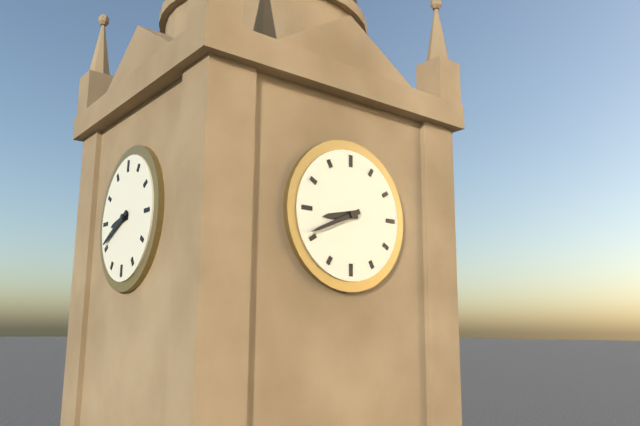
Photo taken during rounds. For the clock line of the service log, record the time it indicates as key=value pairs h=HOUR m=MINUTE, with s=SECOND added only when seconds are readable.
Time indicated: h=8 m=41
